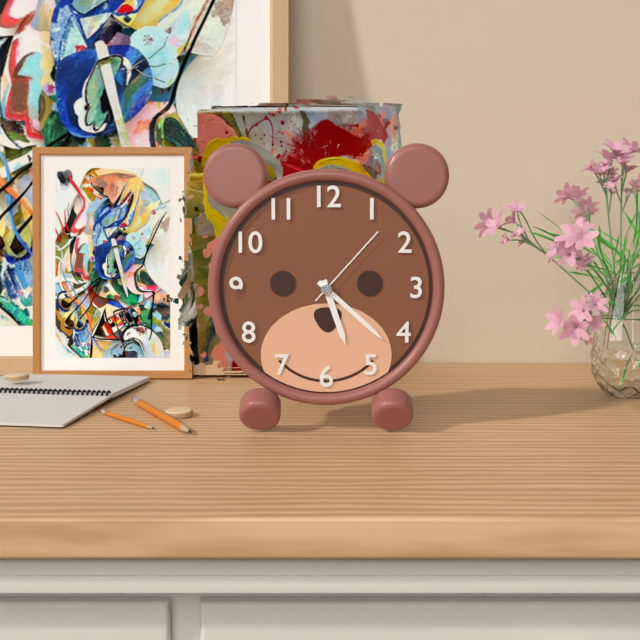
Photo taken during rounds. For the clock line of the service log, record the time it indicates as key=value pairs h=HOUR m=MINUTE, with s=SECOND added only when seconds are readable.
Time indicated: h=5 m=22 s=7
